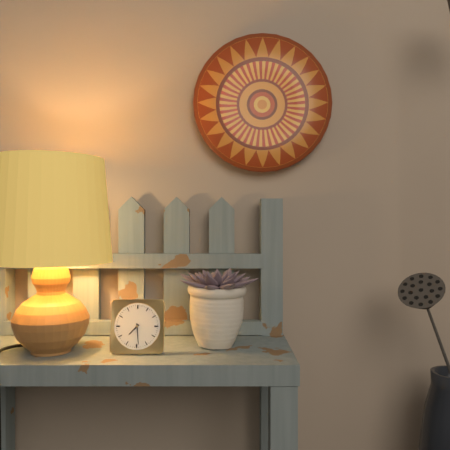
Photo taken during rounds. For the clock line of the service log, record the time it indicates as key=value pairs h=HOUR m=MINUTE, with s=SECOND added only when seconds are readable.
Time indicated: h=7 m=29
